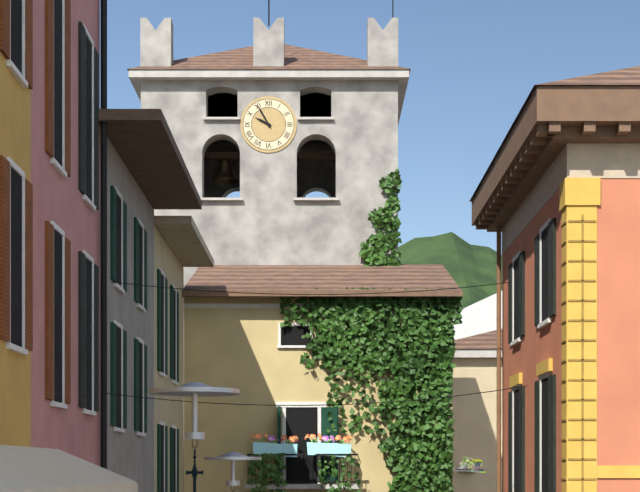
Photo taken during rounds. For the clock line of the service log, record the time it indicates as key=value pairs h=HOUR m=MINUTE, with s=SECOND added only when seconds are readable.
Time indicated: h=9 m=55
